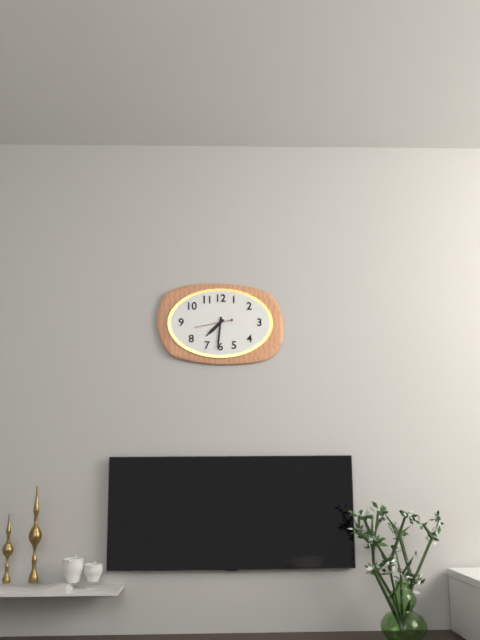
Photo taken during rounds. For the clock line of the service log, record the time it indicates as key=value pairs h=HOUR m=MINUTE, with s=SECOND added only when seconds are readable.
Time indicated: h=7 m=31
